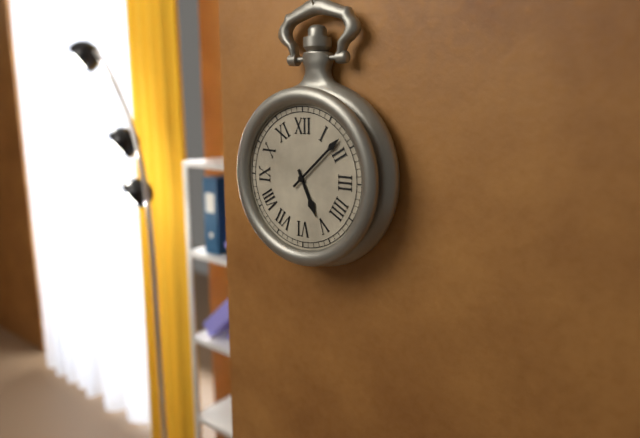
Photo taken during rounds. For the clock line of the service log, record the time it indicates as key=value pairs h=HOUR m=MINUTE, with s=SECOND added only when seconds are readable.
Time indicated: h=5 m=8
